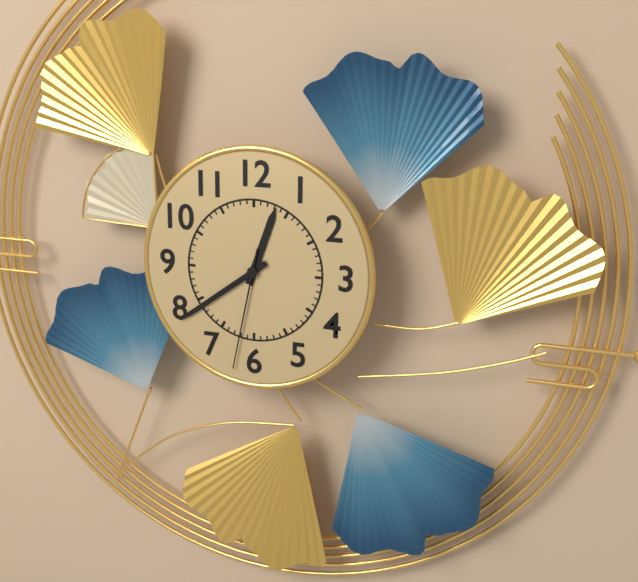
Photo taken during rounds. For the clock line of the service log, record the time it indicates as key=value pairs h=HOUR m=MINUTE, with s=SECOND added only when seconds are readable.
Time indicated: h=12 m=39 s=32
